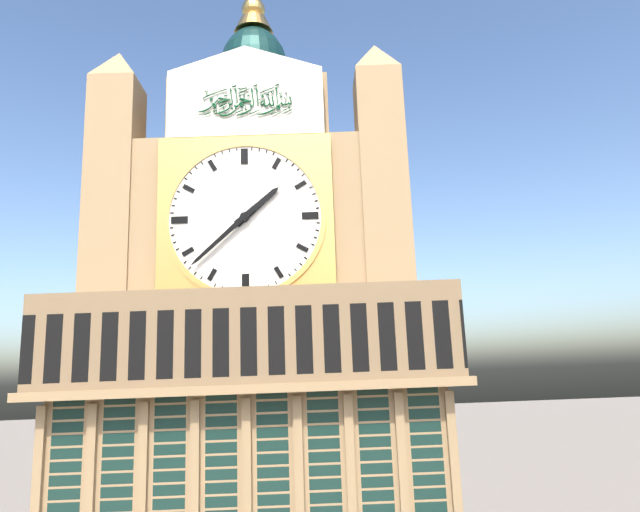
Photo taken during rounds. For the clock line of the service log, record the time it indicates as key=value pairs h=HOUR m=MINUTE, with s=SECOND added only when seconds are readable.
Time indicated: h=1 m=38
